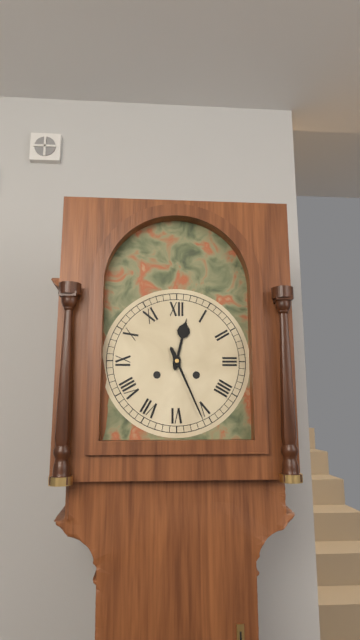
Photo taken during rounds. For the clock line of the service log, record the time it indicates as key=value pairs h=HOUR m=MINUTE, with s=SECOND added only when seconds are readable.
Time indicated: h=12 m=26
